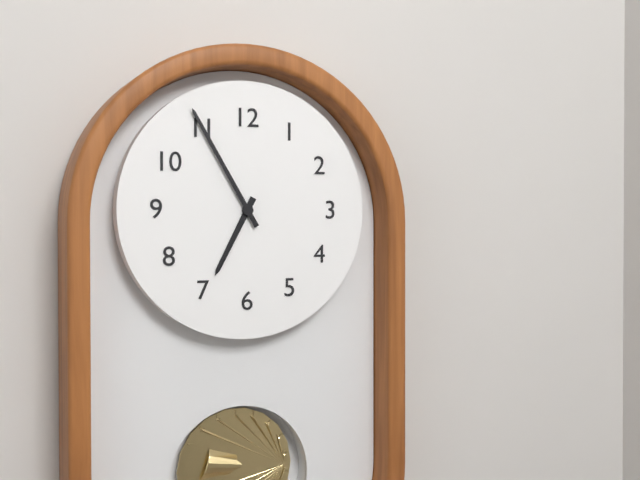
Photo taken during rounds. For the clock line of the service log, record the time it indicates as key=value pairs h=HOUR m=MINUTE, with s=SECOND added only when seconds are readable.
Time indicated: h=6 m=55
